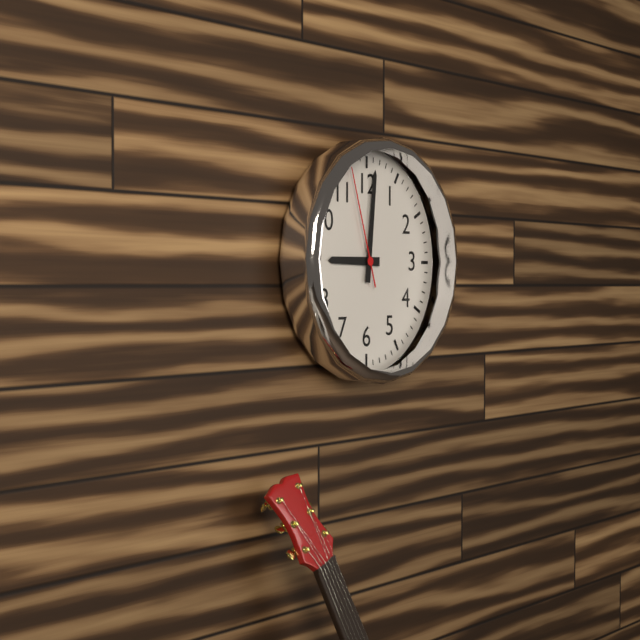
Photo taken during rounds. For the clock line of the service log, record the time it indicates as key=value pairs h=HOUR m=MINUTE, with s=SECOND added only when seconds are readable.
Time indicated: h=9 m=1 s=57
